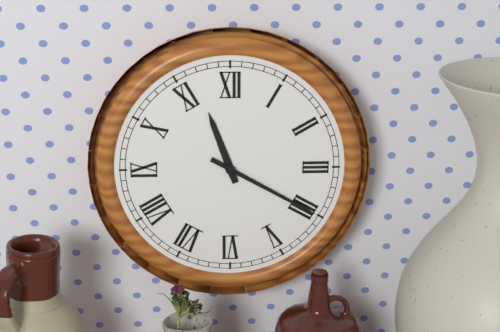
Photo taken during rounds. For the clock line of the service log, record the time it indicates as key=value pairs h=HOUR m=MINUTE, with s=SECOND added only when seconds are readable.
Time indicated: h=11 m=20
